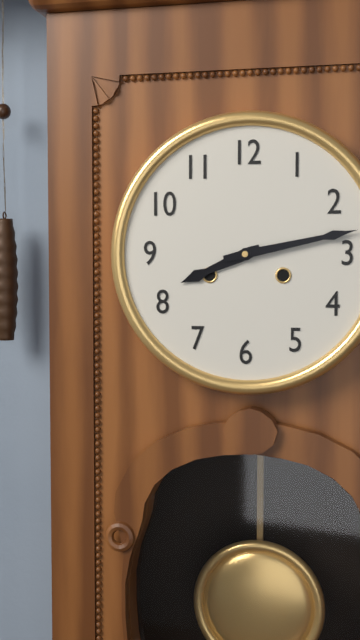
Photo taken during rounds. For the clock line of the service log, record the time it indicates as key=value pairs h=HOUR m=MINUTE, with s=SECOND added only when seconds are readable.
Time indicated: h=8 m=13
